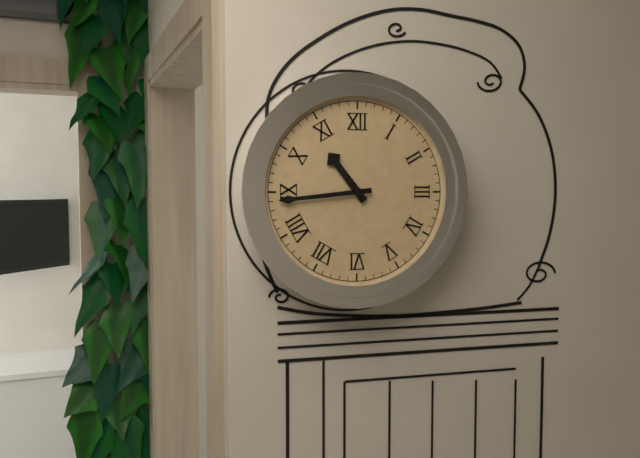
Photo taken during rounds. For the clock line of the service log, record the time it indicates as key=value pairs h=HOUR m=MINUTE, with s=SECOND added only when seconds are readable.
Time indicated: h=10 m=44
